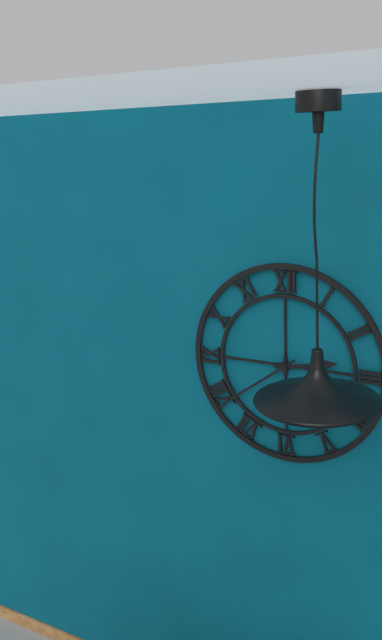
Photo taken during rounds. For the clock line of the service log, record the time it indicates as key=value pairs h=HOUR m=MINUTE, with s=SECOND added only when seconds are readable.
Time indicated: h=2 m=39
